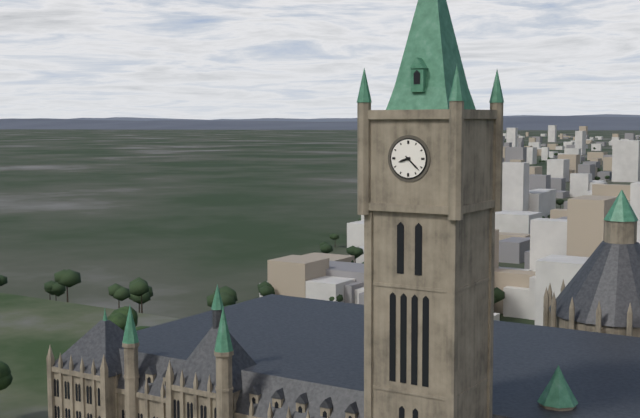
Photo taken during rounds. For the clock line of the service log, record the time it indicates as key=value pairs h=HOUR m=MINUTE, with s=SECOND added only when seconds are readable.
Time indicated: h=8 m=22
